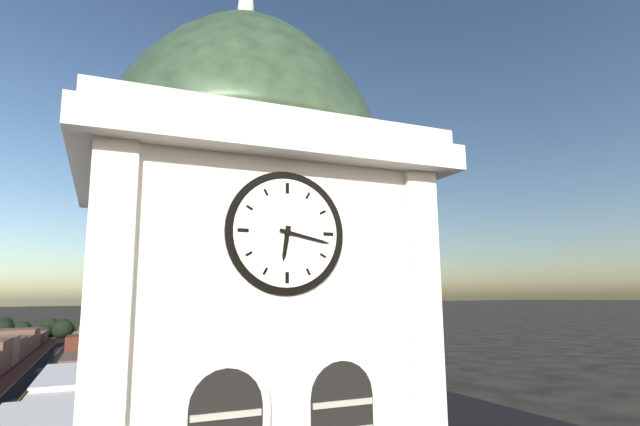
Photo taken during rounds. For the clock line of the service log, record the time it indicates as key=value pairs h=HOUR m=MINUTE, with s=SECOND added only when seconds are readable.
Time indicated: h=6 m=17
